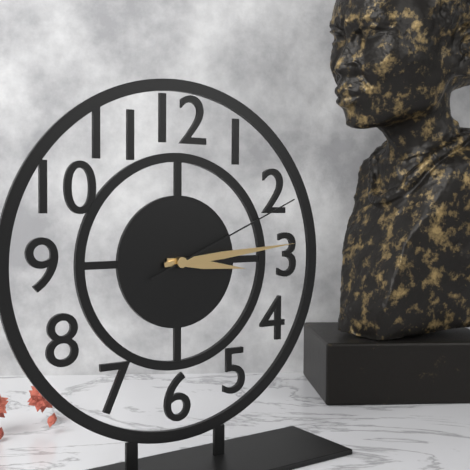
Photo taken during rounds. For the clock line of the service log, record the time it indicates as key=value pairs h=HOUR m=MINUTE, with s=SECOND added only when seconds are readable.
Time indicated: h=3 m=14 s=11
